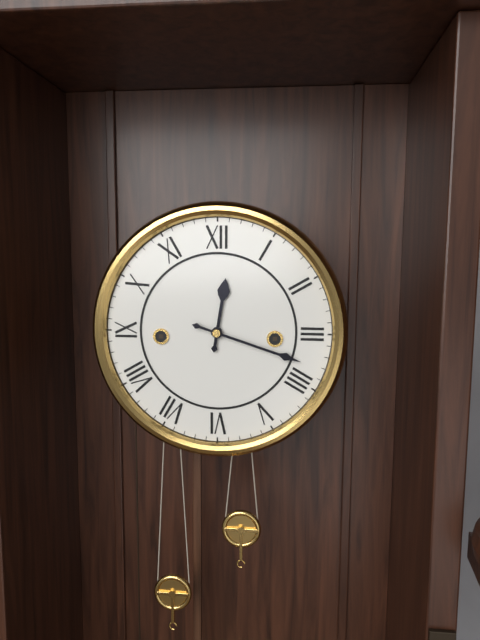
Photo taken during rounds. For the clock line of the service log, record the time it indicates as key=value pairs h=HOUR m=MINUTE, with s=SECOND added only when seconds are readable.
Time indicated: h=12 m=18
